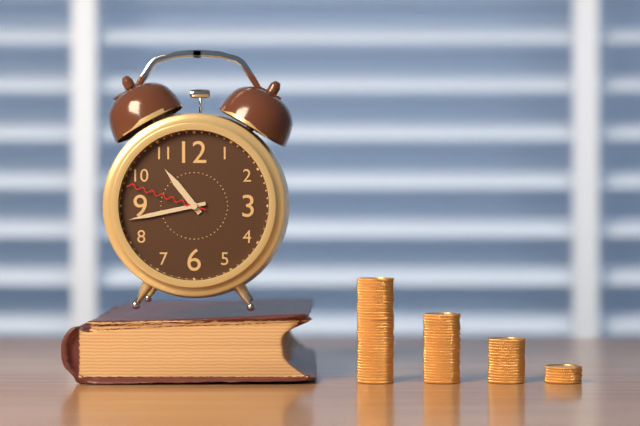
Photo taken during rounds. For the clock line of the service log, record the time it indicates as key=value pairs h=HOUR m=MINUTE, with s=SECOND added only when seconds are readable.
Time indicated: h=10 m=43 s=48
